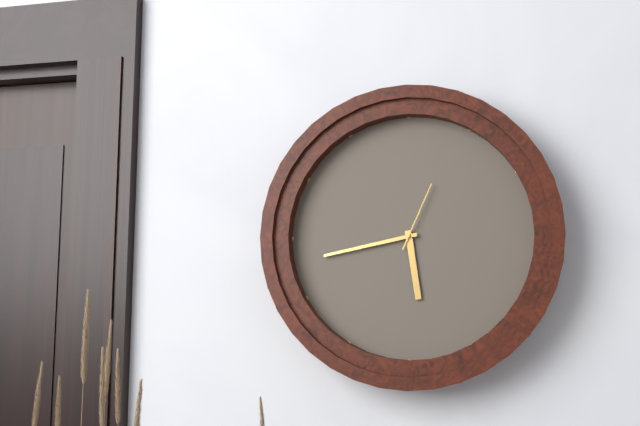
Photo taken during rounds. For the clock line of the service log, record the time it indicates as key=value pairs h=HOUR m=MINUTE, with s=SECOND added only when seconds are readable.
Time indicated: h=5 m=43 s=4
